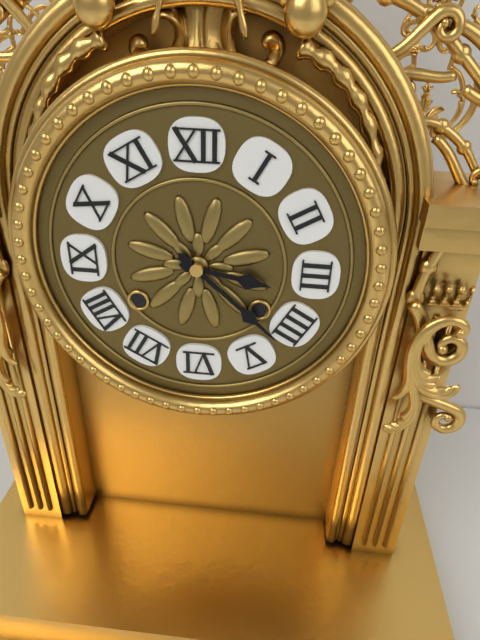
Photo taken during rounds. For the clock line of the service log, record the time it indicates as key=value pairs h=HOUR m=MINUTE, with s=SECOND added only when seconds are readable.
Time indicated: h=3 m=22
